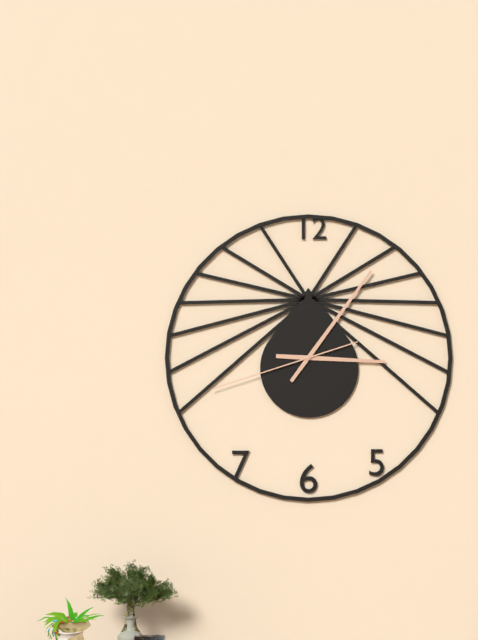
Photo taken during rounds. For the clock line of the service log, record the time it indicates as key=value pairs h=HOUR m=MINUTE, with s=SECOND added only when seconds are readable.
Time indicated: h=3 m=6 s=42
